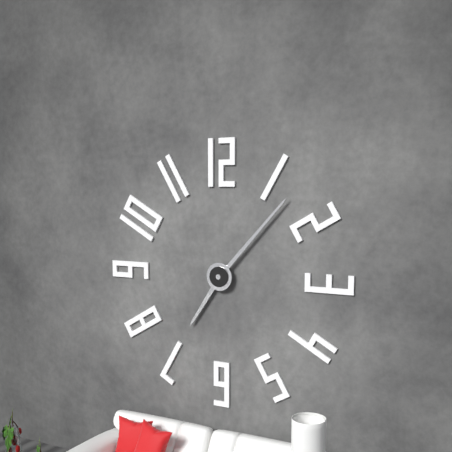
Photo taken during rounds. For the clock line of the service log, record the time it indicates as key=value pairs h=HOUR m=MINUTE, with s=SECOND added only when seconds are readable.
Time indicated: h=7 m=7
